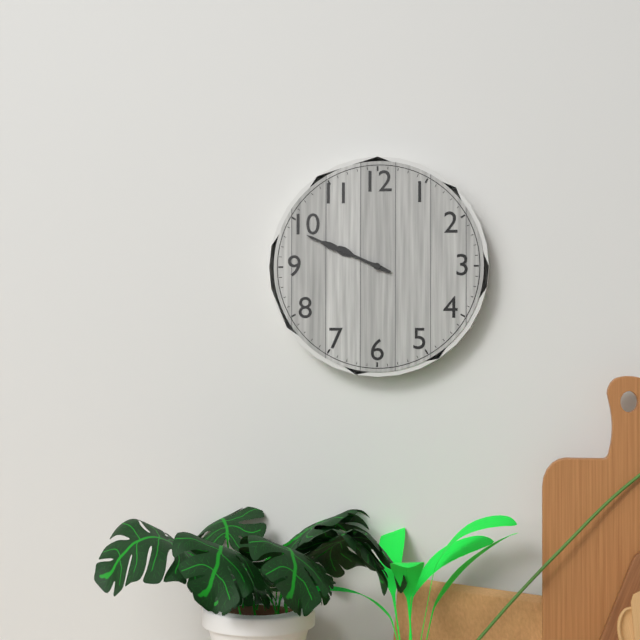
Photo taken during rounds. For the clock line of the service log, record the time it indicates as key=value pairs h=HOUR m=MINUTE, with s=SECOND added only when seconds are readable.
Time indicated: h=9 m=49
